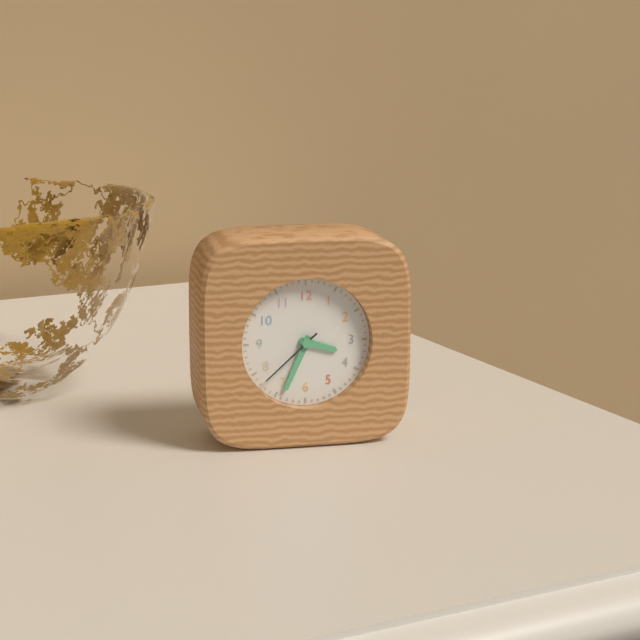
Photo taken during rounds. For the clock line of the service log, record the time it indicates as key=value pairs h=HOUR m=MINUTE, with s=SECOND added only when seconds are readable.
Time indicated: h=3 m=34 s=38
